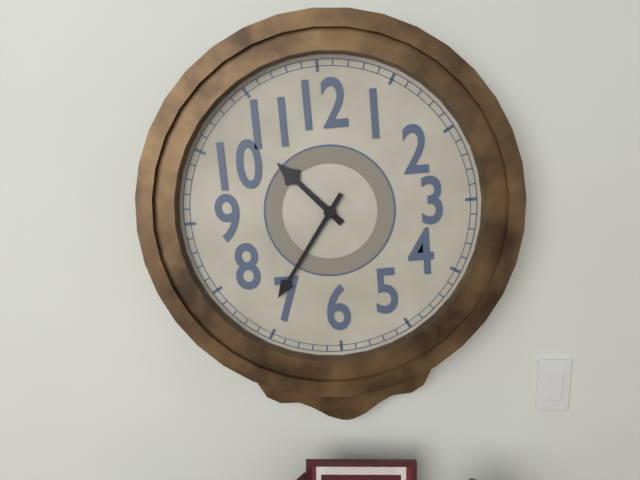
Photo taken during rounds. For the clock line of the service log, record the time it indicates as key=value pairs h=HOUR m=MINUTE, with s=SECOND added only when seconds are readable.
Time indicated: h=10 m=36
